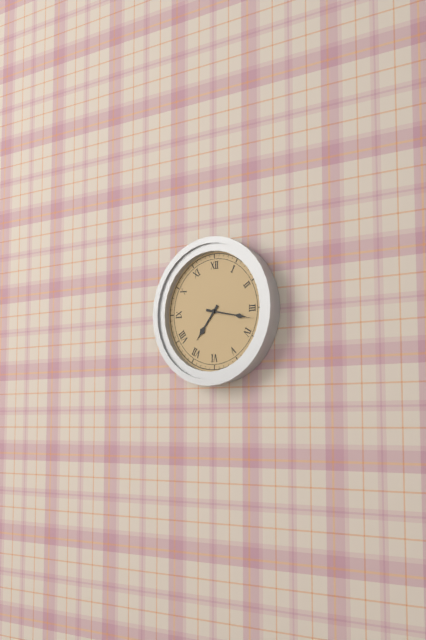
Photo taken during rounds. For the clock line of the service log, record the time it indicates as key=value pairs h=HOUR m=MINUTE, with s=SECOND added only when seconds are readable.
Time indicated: h=7 m=17
